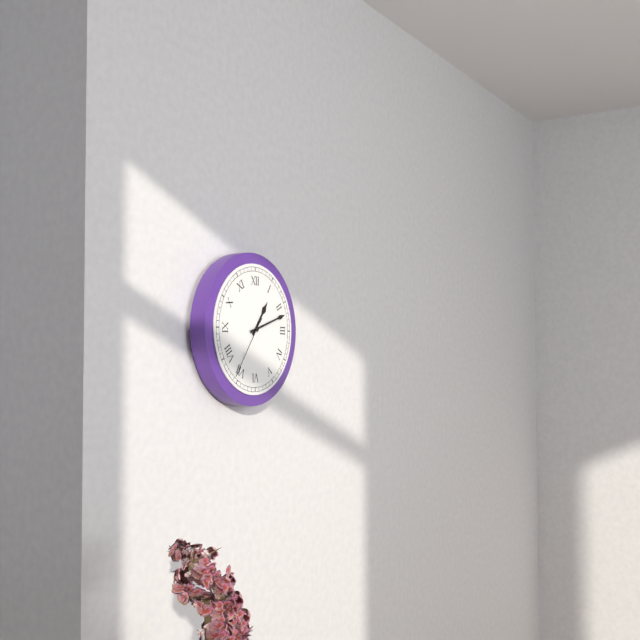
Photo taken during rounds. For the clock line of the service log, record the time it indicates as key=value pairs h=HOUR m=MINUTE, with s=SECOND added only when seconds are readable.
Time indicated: h=1 m=12 s=36
